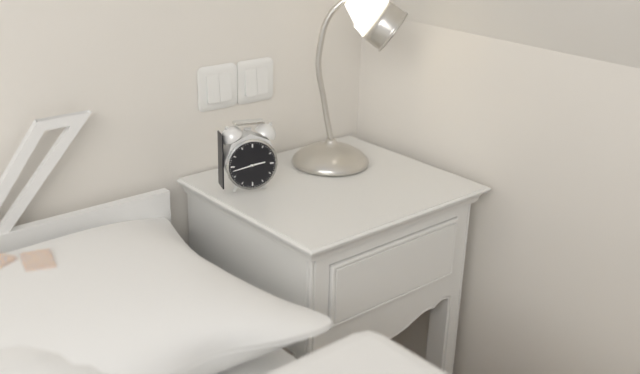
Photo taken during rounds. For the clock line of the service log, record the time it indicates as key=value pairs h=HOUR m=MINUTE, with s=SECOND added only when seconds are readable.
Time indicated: h=2 m=43
